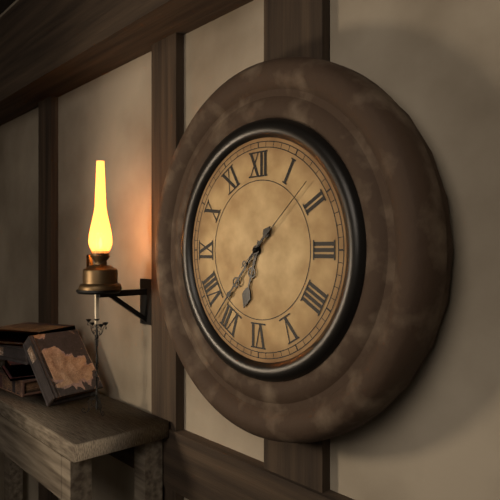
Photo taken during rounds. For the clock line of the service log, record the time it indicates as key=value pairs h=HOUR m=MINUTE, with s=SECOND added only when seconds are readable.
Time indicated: h=6 m=37 s=8
